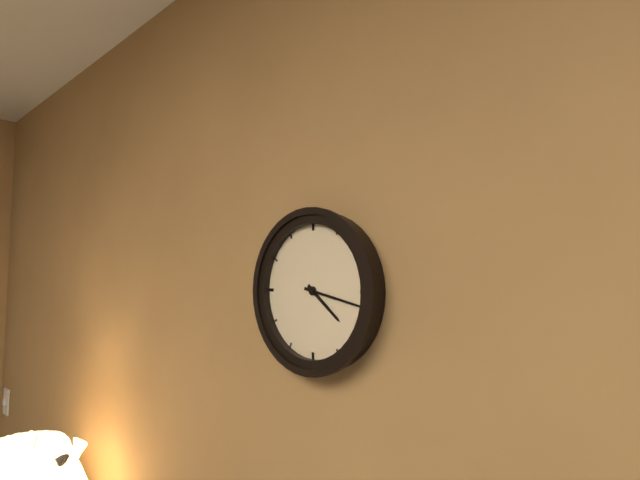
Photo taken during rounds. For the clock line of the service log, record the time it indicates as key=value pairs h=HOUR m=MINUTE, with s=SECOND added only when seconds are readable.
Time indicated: h=4 m=17
